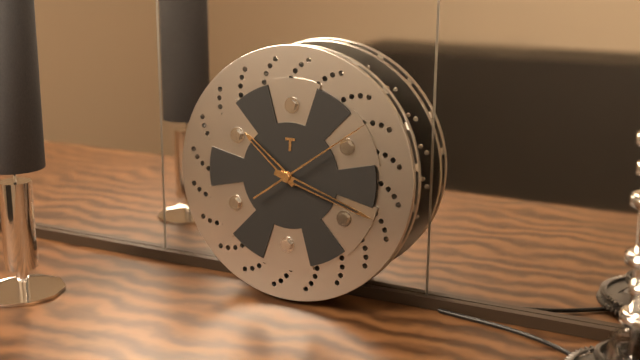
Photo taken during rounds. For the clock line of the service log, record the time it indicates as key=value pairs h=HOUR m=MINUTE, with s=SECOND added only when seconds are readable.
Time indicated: h=10 m=18 s=9
